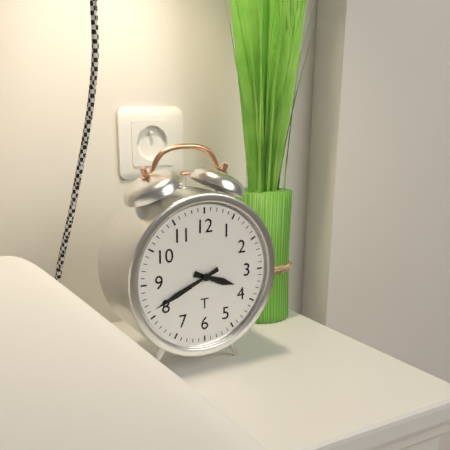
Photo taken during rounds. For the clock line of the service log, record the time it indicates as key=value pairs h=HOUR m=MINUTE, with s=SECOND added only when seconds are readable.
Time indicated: h=3 m=41
